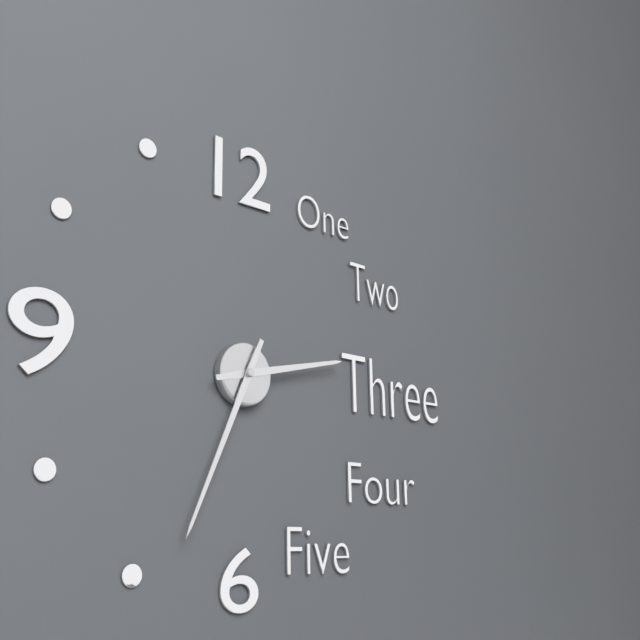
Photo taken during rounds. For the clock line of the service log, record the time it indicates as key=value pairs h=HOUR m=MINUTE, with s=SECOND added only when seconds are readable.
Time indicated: h=2 m=34
